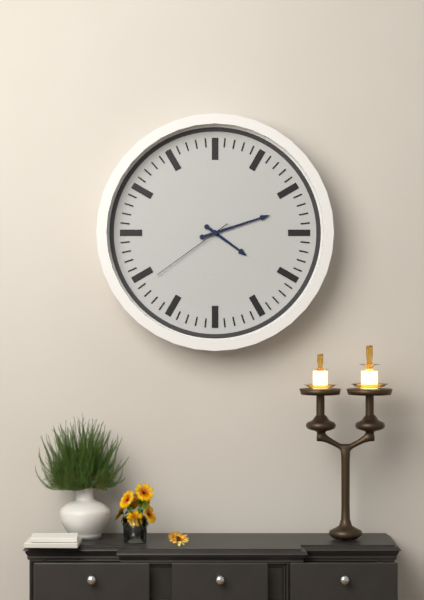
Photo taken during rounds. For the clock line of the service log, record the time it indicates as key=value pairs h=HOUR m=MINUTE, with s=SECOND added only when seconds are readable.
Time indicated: h=4 m=12 s=39
